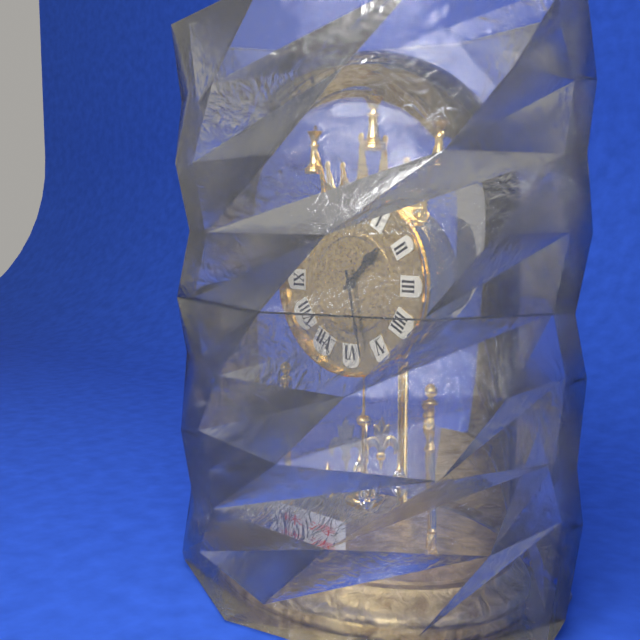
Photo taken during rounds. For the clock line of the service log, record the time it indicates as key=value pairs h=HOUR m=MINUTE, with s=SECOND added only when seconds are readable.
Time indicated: h=1 m=28
